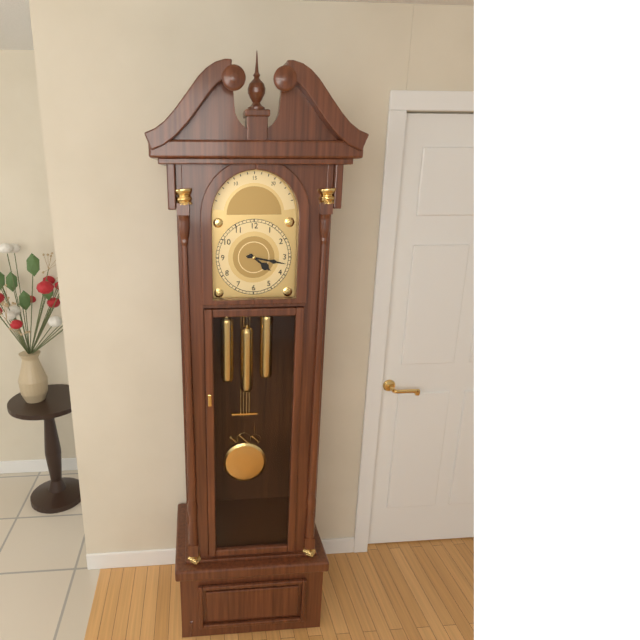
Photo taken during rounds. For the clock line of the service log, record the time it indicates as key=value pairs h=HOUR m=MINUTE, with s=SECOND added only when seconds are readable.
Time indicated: h=4 m=17
